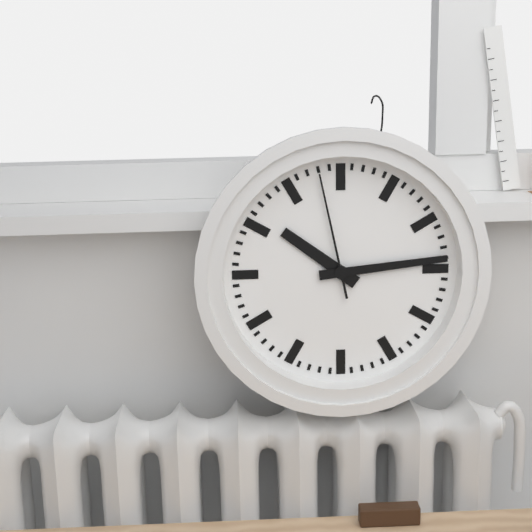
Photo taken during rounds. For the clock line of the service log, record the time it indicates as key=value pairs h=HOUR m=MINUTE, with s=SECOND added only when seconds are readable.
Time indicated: h=10 m=14 s=58
